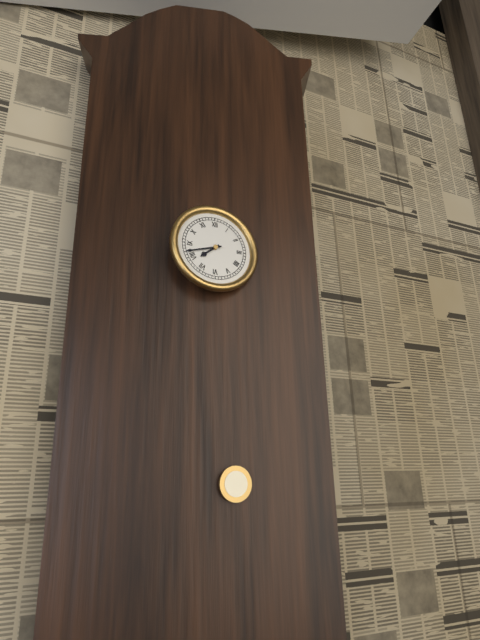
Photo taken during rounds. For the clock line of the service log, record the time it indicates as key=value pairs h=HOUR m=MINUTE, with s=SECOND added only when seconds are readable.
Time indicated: h=7 m=42
